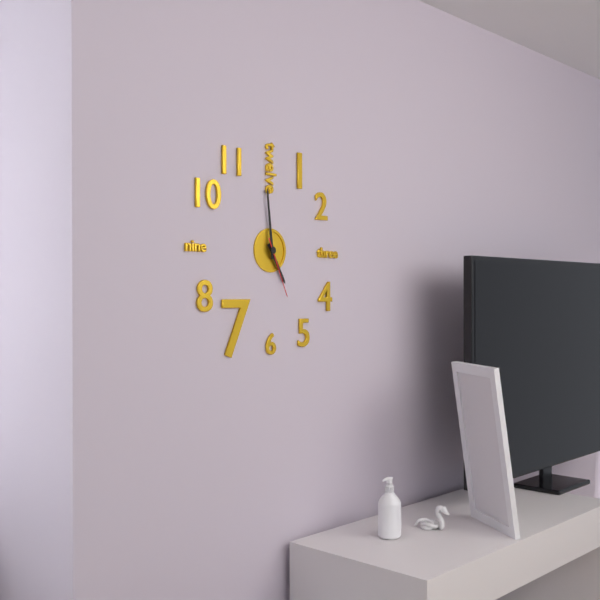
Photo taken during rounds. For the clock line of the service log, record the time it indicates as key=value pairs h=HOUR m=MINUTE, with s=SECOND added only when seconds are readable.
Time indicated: h=4 m=59 s=26
